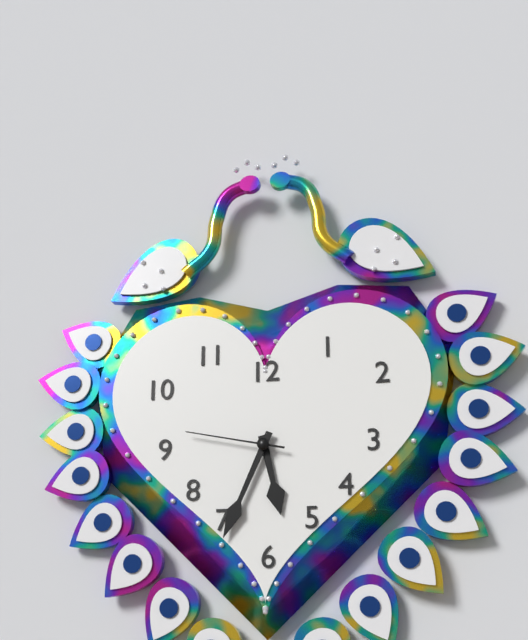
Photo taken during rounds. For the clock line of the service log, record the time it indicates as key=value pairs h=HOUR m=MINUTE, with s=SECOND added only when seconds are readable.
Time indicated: h=5 m=34 s=47
